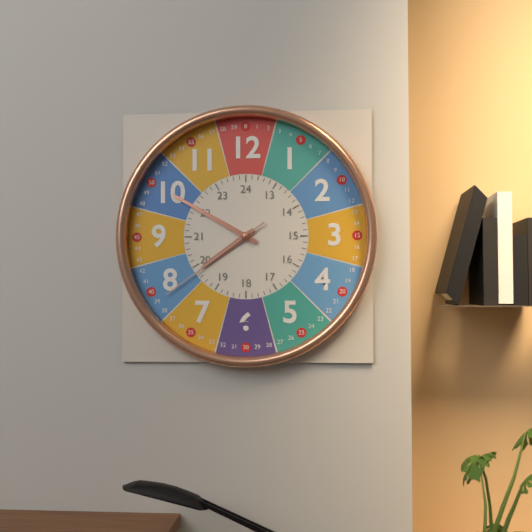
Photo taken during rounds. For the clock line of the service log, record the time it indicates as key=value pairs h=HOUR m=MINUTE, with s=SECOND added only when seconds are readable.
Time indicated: h=7 m=50 s=39
